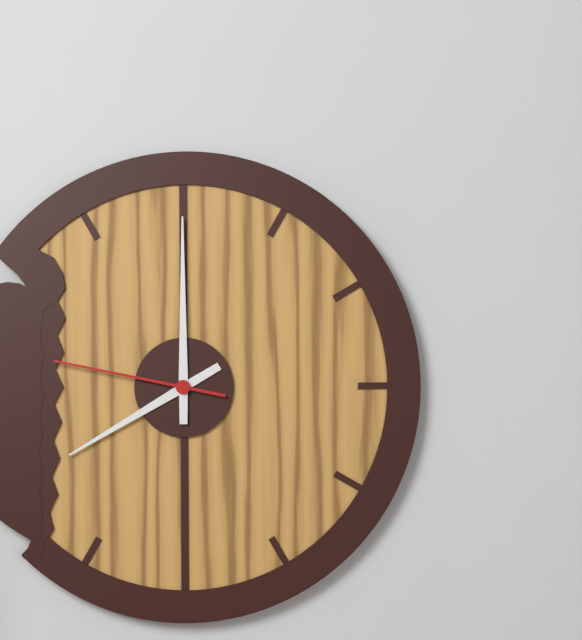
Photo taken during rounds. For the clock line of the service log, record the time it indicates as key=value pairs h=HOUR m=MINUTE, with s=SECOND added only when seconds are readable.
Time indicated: h=8 m=0 s=47
